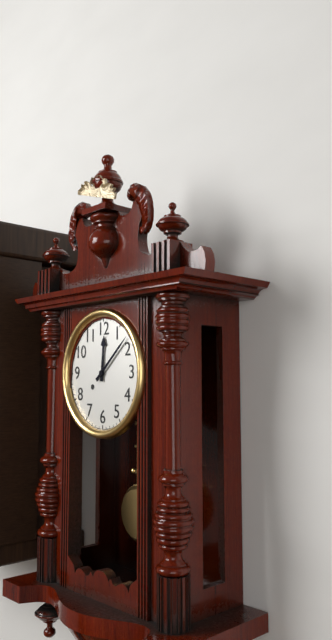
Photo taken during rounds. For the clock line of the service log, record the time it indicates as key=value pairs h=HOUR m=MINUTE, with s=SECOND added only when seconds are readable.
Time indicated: h=12 m=8
